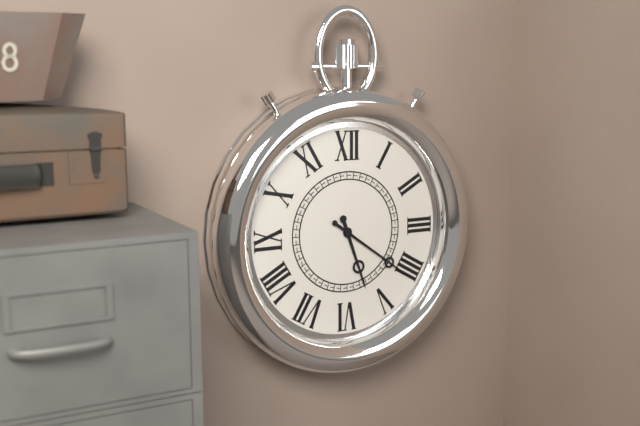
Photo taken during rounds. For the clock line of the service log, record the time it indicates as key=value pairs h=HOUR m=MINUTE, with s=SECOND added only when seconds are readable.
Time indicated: h=5 m=21
